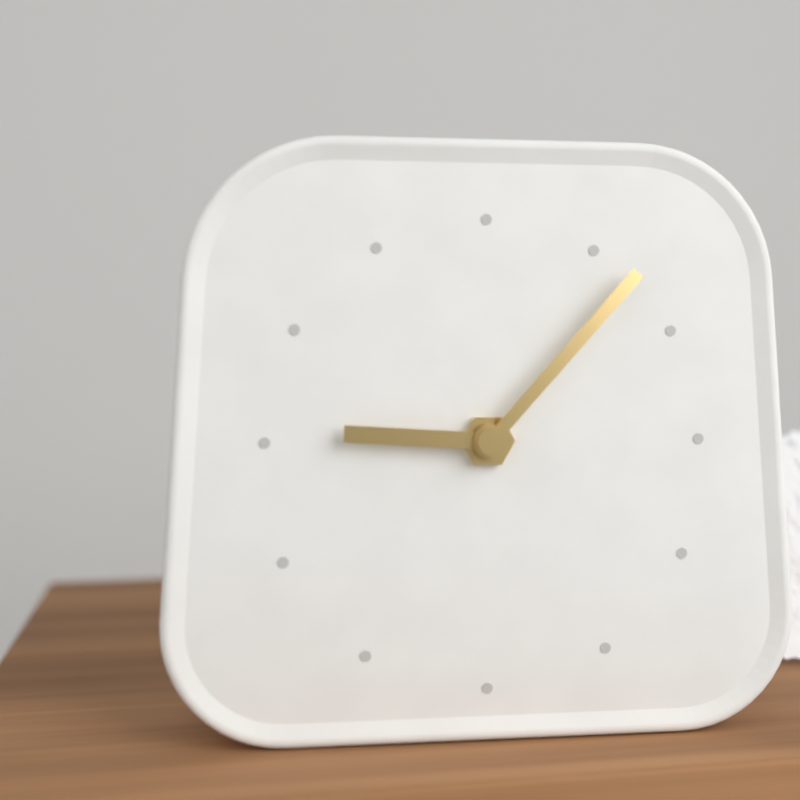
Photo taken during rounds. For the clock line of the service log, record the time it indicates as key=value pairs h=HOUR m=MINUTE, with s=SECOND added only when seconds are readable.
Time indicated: h=9 m=7
